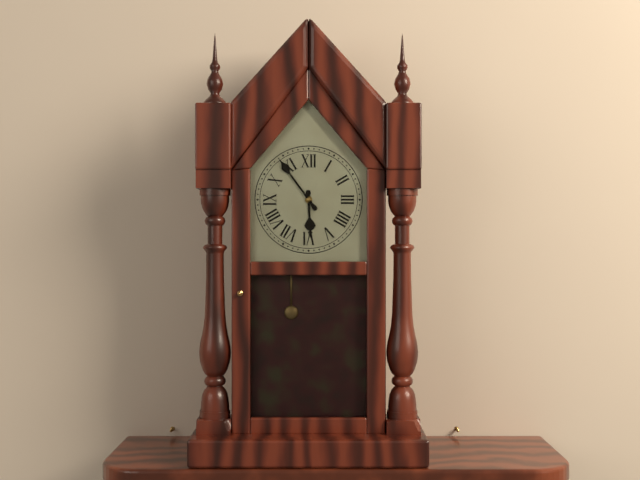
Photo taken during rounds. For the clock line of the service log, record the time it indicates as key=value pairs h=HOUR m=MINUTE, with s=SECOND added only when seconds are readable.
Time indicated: h=5 m=54
